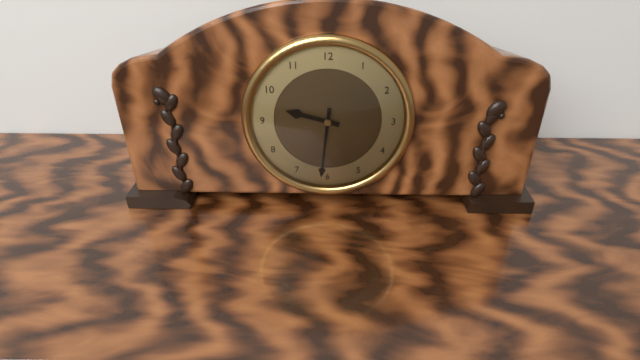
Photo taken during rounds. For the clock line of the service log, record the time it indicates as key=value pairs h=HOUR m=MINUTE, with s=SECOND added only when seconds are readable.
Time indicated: h=9 m=31
